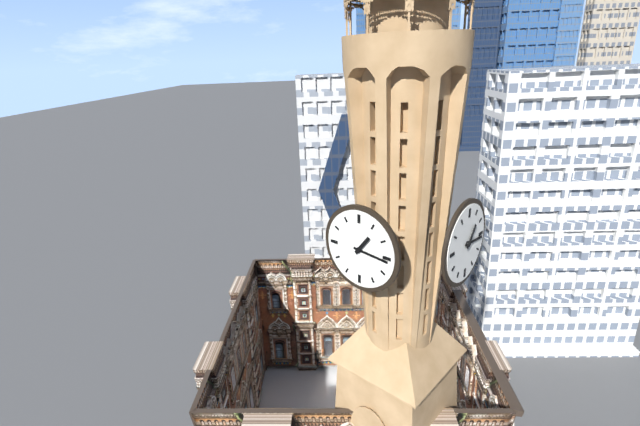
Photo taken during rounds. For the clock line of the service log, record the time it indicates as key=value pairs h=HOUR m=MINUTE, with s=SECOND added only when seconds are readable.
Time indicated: h=1 m=16
